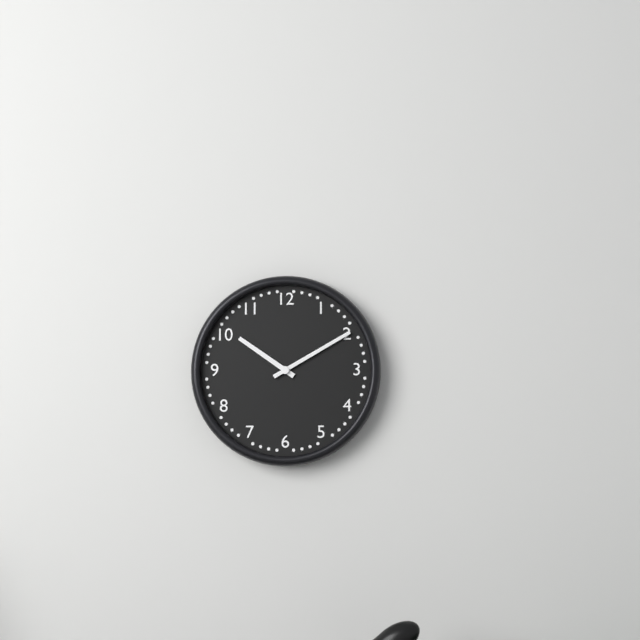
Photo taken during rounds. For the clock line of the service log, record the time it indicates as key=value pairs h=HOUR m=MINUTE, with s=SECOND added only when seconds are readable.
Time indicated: h=10 m=10
